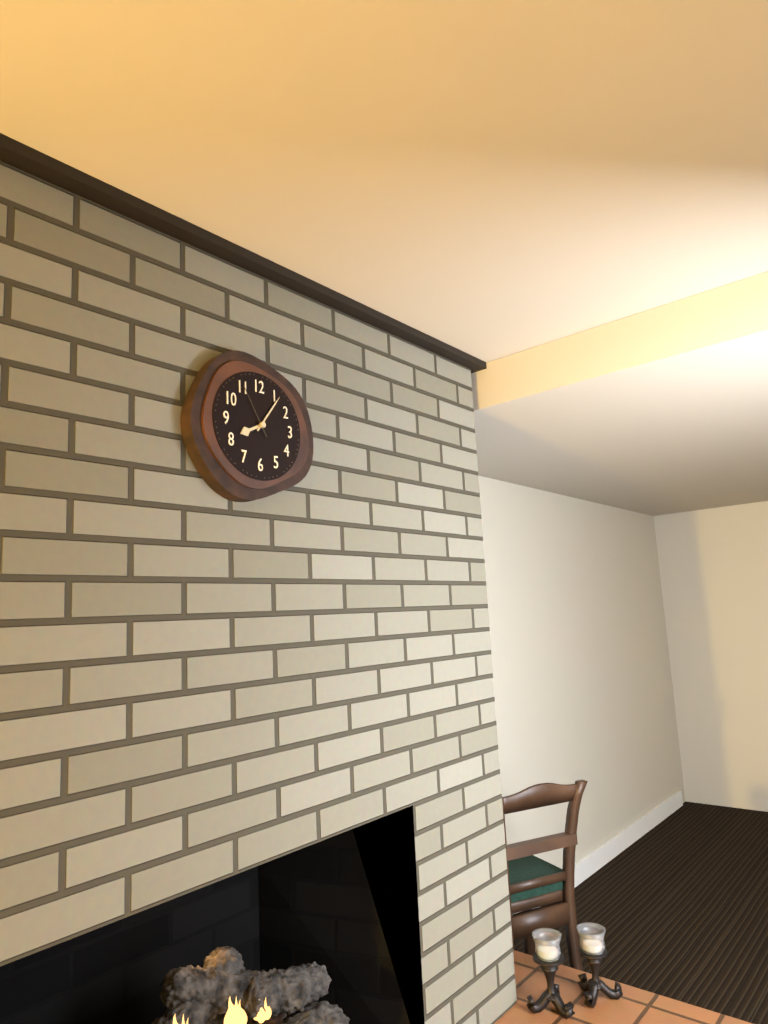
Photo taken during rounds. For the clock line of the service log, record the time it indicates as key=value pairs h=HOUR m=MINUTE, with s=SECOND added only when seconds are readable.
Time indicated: h=8 m=6 s=55
